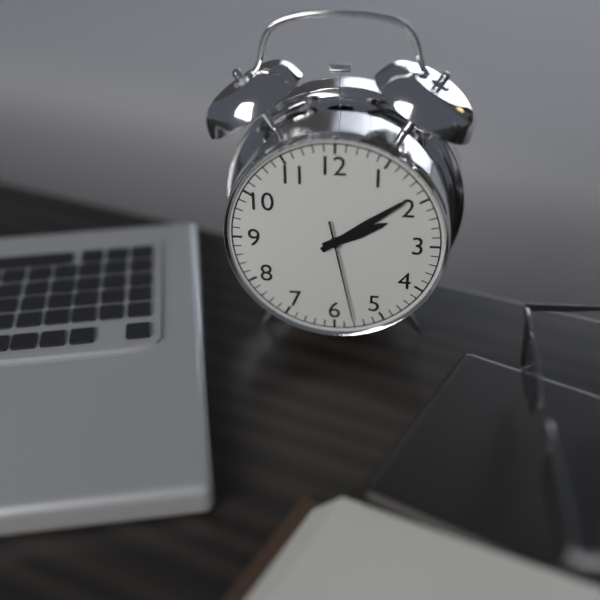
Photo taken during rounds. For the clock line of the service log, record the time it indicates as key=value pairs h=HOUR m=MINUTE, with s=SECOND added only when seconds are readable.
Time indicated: h=2 m=9 s=28
